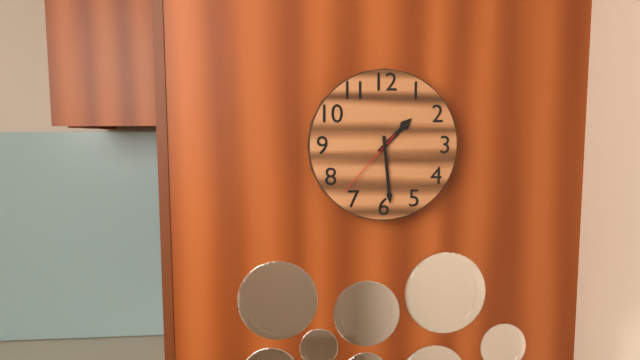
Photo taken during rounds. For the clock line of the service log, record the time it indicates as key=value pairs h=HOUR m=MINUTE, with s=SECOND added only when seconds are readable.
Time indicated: h=1 m=29 s=37
